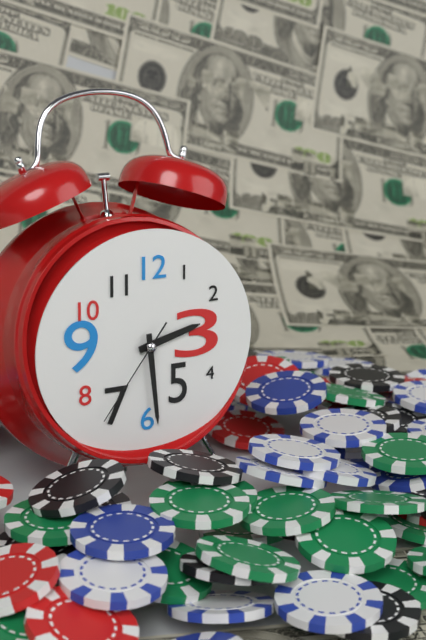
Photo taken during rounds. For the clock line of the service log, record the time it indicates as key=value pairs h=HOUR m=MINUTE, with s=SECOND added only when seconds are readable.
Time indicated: h=2 m=29 s=36
